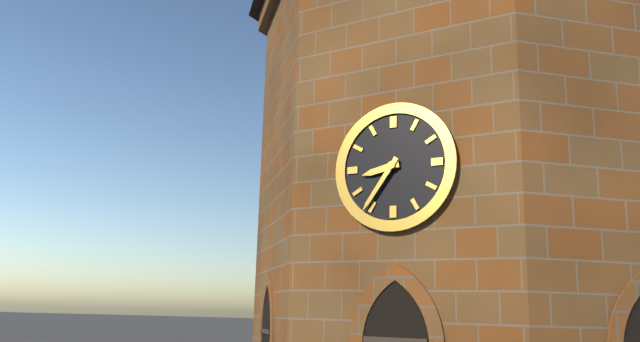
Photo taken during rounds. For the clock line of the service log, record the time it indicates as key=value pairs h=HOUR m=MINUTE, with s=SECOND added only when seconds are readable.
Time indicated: h=8 m=36
